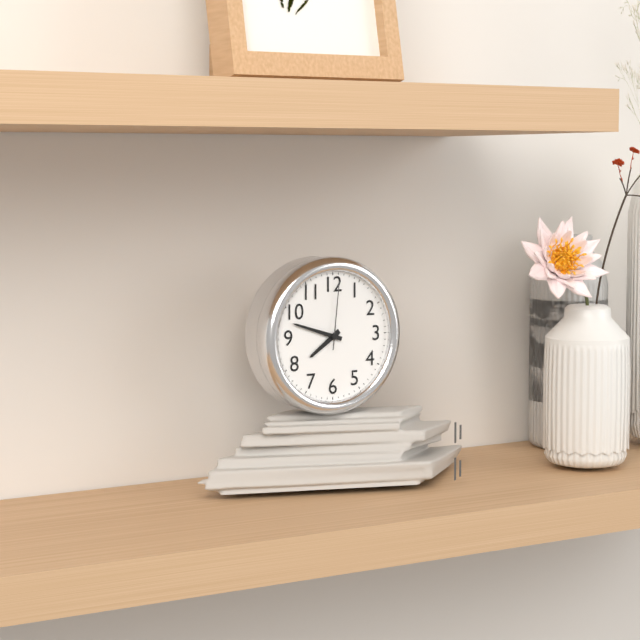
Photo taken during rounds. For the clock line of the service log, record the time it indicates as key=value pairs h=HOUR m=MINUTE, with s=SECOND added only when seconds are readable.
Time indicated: h=7 m=48 s=1
